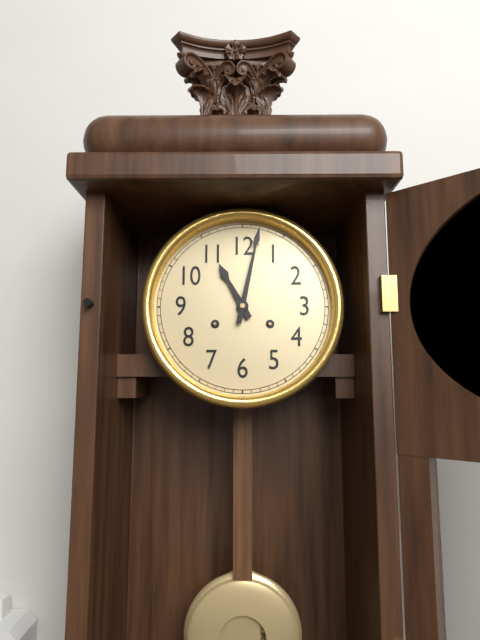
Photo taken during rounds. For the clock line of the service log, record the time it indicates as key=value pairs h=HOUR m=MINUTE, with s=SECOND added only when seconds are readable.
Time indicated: h=11 m=2
